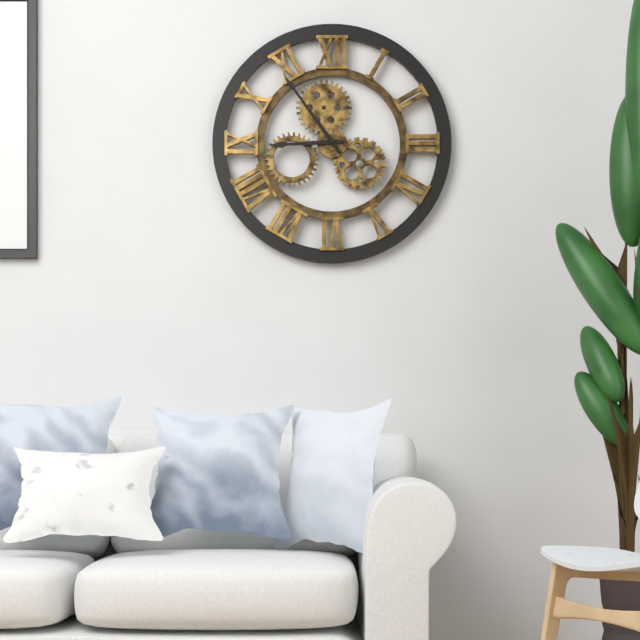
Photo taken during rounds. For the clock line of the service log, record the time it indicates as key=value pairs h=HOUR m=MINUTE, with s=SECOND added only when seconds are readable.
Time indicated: h=8 m=54
